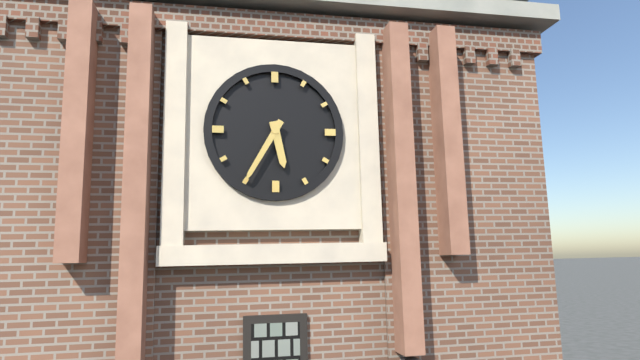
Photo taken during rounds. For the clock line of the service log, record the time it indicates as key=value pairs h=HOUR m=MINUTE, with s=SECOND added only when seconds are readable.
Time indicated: h=5 m=35
